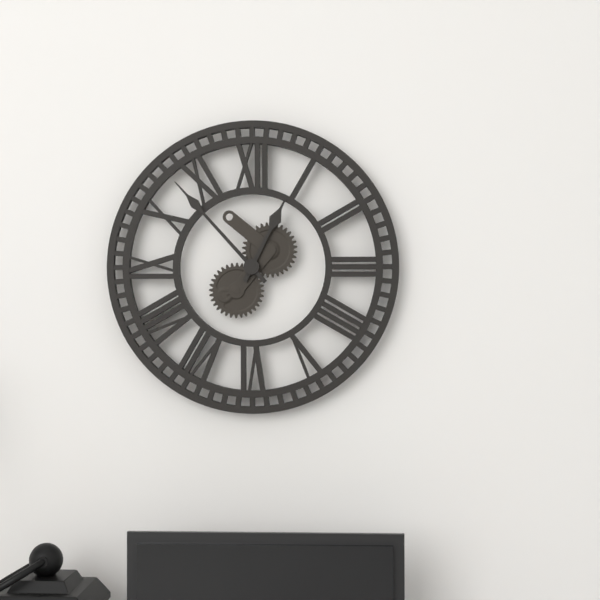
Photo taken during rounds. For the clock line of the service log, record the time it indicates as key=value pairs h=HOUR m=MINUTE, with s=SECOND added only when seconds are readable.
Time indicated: h=12 m=53
